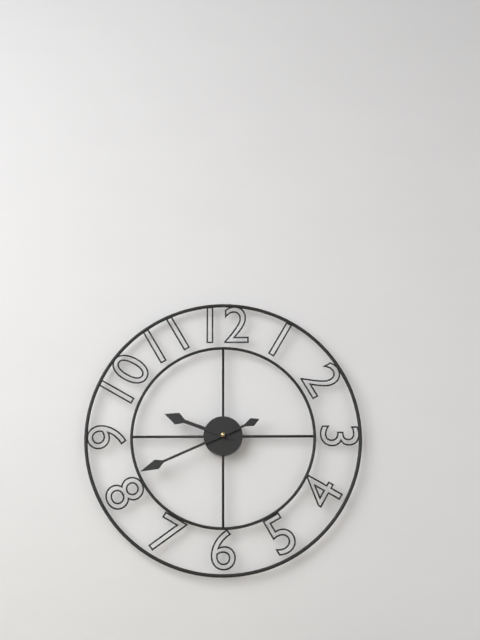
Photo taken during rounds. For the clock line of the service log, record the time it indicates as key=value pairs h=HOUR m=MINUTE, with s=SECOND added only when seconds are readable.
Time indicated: h=9 m=41
